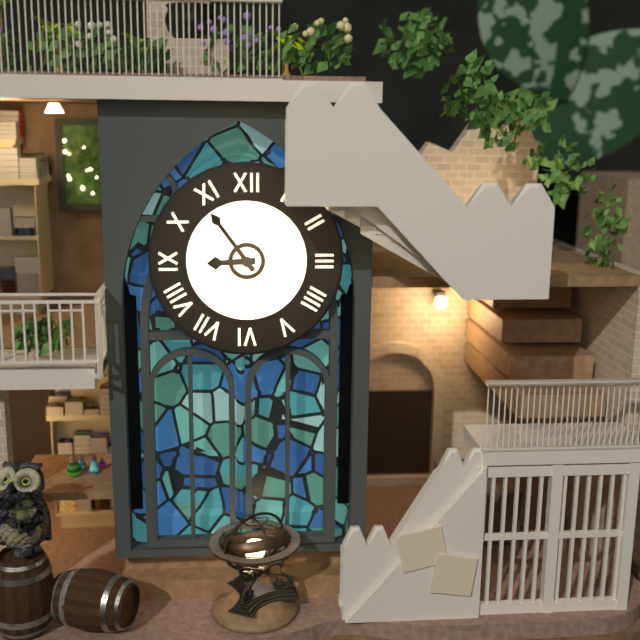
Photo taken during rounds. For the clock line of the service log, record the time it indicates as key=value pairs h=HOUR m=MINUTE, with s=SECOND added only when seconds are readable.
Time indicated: h=8 m=54
